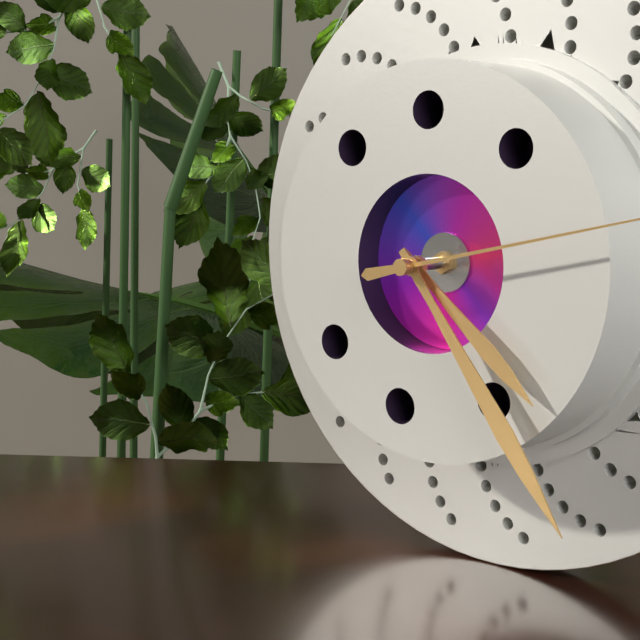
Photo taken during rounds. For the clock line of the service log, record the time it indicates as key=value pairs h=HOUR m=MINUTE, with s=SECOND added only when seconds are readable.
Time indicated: h=4 m=24
